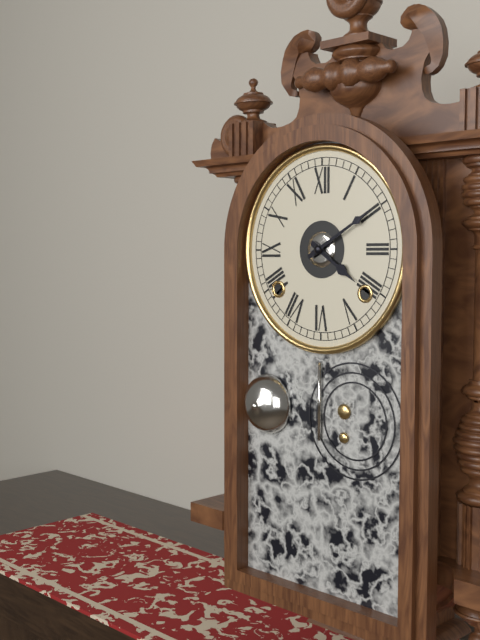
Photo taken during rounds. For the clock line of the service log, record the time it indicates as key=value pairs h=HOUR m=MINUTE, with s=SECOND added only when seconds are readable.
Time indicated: h=4 m=10
